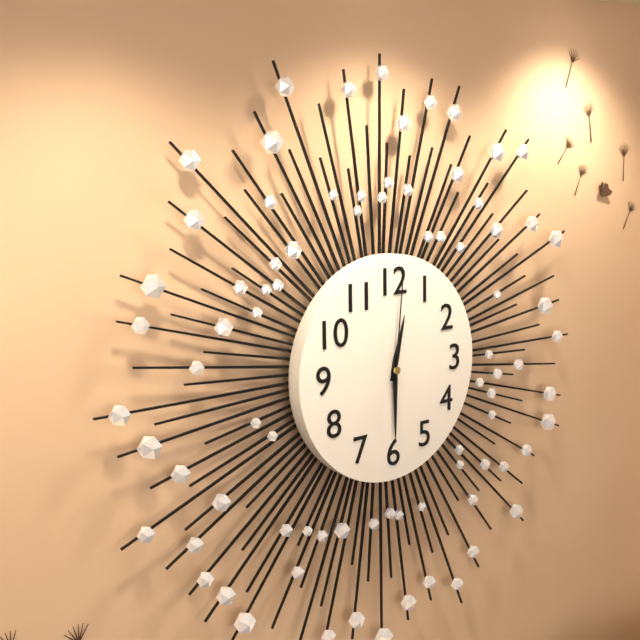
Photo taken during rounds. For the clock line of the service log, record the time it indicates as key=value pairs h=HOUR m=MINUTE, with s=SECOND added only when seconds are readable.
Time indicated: h=12 m=30 s=1
